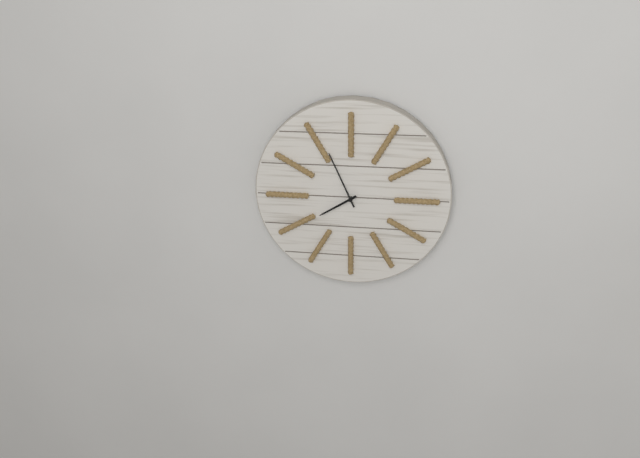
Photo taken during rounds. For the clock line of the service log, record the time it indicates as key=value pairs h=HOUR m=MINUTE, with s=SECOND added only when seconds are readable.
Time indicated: h=7 m=56
